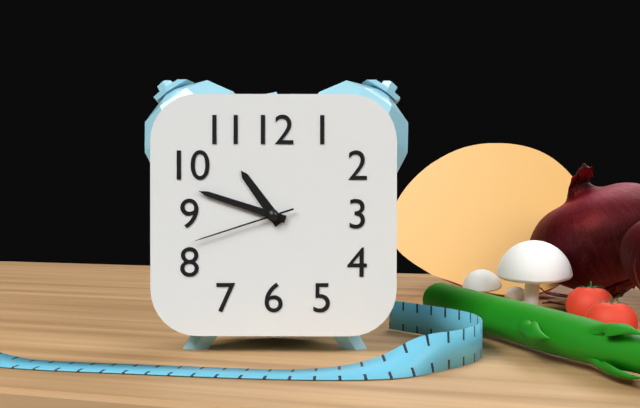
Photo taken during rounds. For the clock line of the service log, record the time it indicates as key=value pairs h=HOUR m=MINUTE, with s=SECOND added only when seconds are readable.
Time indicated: h=10 m=48 s=42
